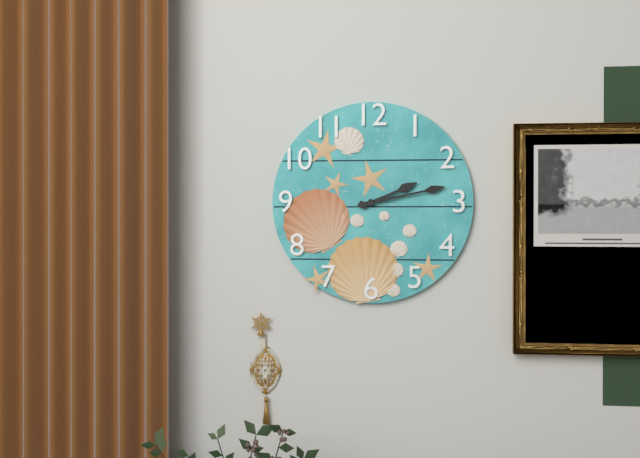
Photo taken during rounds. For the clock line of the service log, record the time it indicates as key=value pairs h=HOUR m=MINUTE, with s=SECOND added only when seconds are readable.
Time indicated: h=2 m=13
